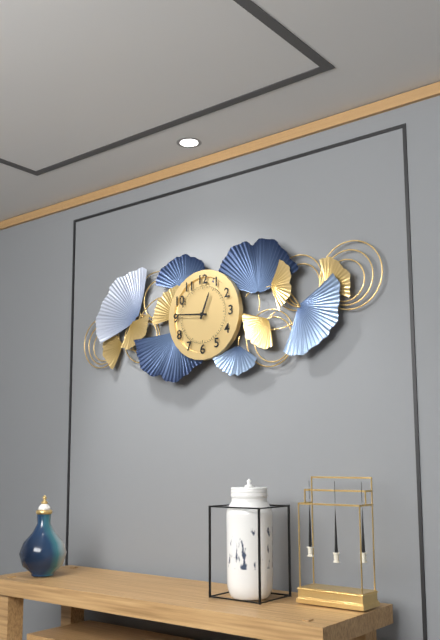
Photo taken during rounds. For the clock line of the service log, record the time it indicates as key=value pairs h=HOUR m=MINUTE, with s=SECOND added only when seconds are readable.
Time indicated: h=12 m=46
